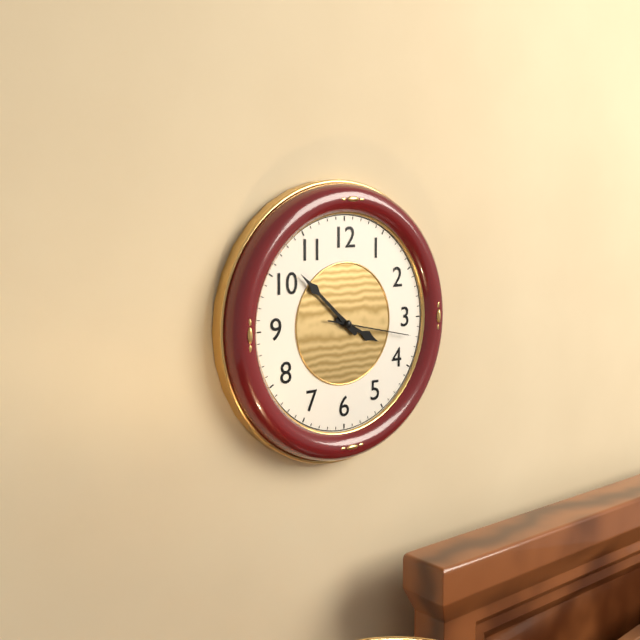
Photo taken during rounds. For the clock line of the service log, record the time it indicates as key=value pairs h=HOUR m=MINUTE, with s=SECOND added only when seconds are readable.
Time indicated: h=3 m=52 s=17
